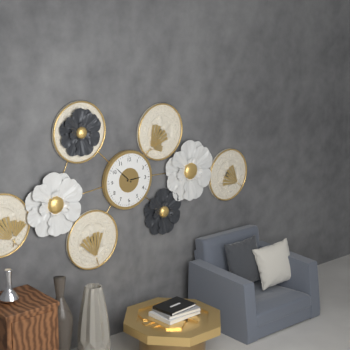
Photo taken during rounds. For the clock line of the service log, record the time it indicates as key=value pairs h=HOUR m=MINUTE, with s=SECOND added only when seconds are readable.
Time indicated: h=2 m=52
